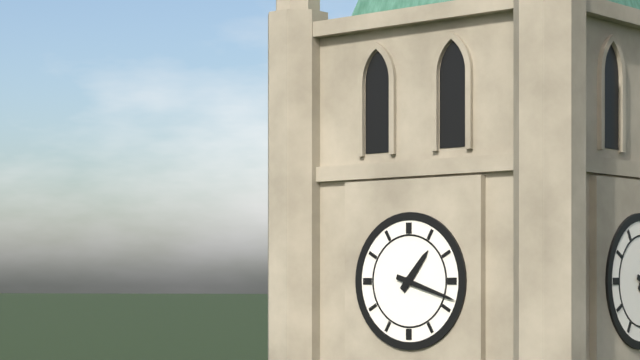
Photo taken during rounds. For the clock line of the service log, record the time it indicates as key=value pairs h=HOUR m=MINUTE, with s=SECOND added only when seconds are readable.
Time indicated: h=1 m=18
